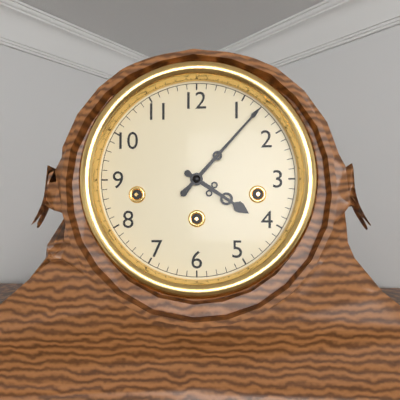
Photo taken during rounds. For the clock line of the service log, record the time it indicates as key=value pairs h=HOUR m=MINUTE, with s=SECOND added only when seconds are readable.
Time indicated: h=4 m=7
